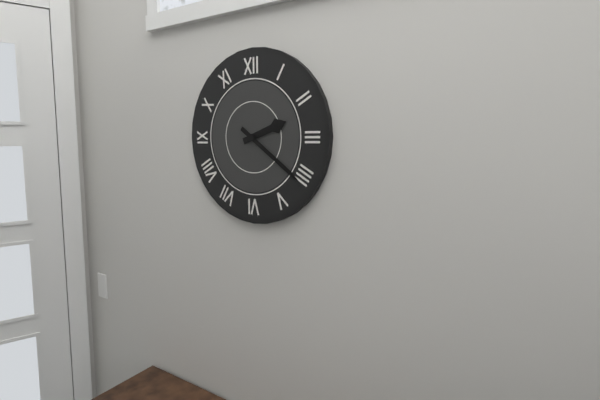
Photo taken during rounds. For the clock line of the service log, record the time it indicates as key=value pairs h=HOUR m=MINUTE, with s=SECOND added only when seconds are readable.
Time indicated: h=2 m=21
